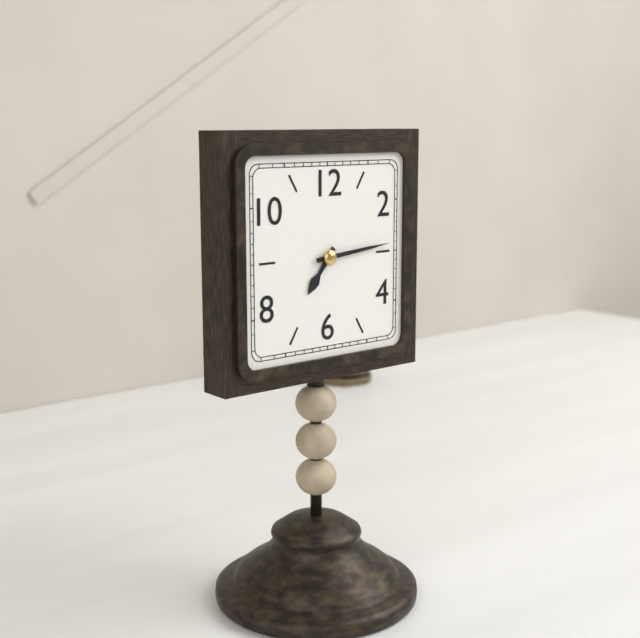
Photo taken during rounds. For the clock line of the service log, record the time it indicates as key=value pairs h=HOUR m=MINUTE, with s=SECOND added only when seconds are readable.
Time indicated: h=7 m=14
